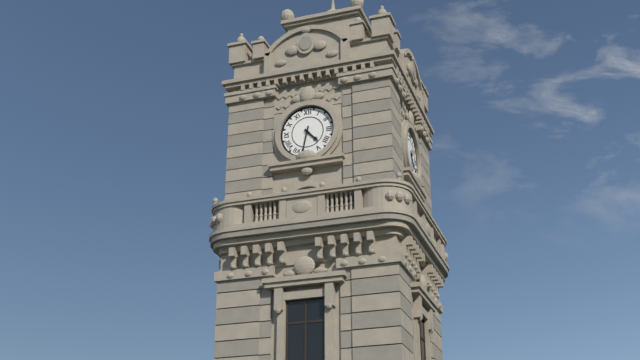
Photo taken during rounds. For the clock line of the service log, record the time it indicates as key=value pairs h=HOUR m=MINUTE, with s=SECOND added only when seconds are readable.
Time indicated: h=4 m=32
